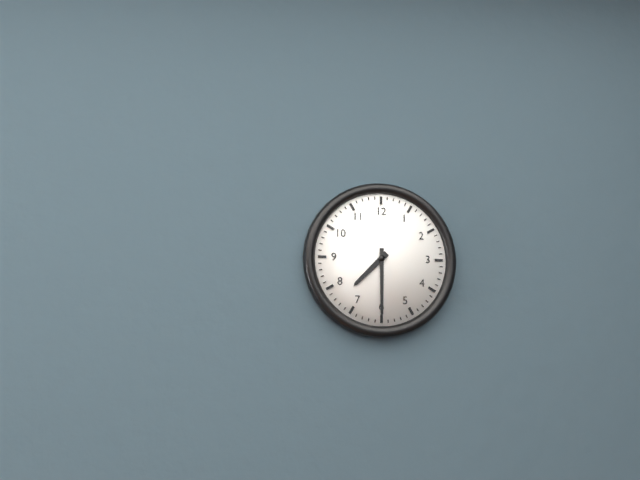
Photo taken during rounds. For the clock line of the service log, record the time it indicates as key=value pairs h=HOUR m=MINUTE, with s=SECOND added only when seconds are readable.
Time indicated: h=7 m=30
